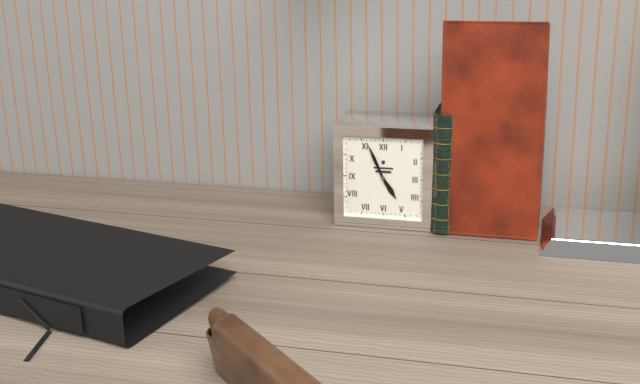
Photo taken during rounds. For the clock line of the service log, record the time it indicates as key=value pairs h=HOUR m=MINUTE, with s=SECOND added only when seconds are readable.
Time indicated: h=4 m=56
